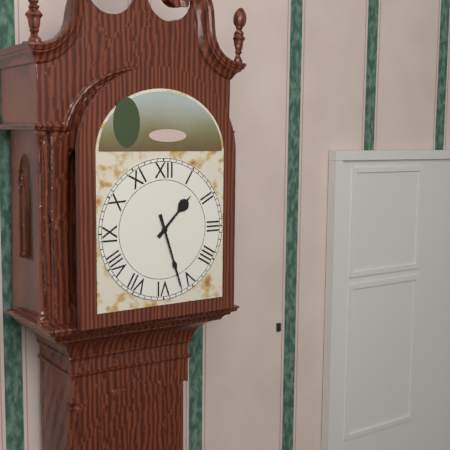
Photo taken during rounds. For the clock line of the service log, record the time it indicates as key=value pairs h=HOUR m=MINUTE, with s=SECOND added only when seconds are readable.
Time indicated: h=1 m=27
